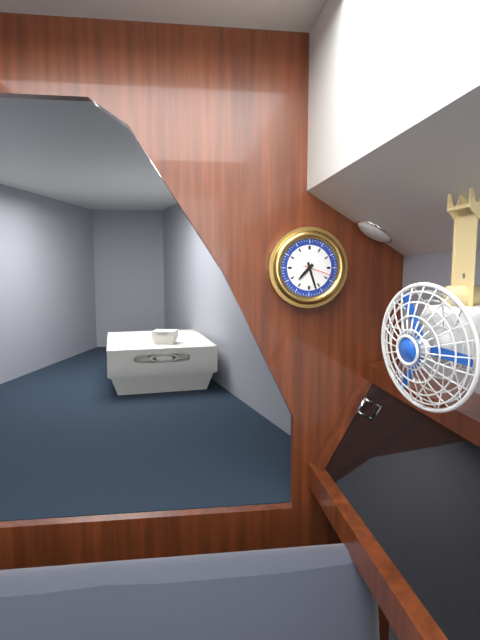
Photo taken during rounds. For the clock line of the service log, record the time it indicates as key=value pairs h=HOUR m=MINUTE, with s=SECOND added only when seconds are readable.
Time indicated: h=7 m=27
